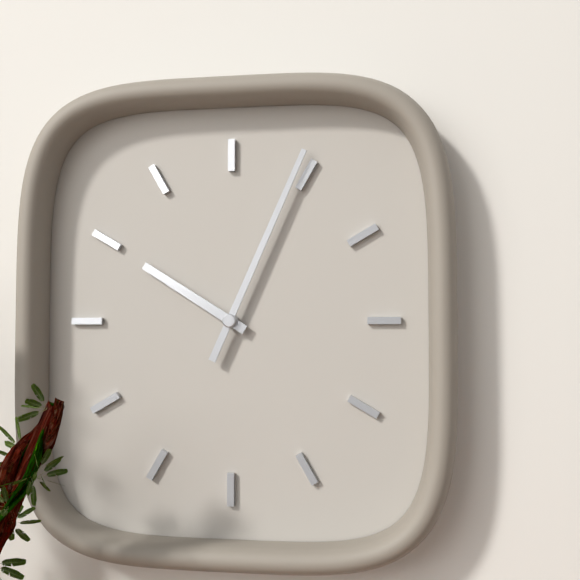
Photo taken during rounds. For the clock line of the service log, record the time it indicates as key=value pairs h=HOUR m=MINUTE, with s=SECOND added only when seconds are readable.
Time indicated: h=10 m=4
